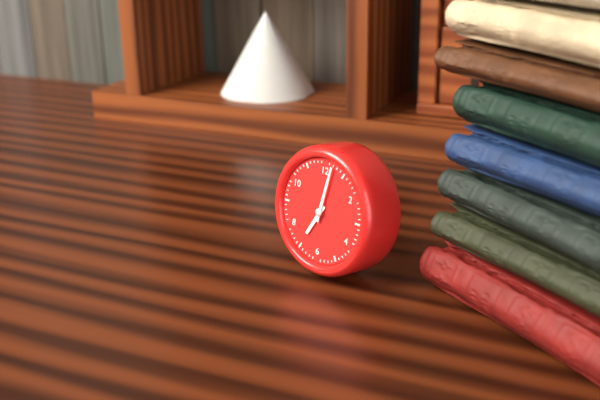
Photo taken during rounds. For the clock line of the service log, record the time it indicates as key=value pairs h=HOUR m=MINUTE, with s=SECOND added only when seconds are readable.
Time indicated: h=7 m=2
